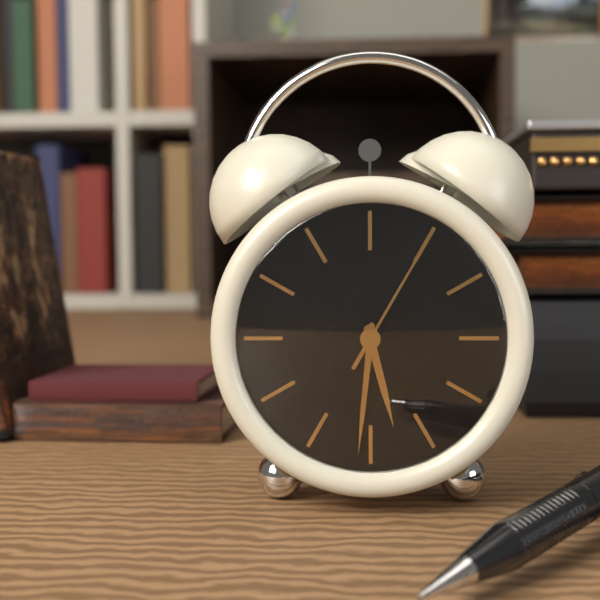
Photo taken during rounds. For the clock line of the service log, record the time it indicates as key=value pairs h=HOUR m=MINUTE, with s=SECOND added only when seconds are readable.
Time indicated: h=5 m=31 s=5
